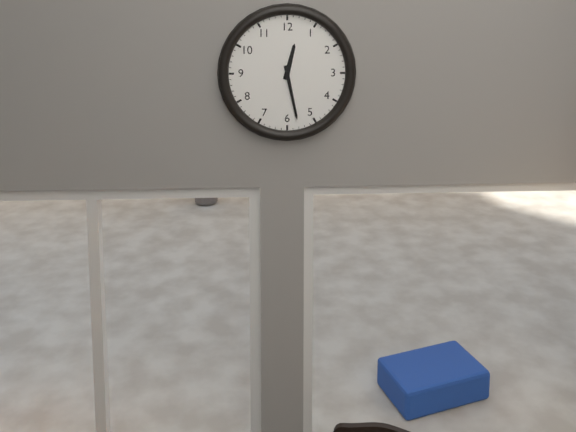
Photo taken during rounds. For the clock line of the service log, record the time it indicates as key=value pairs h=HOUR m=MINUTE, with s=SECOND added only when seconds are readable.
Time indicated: h=12 m=28
